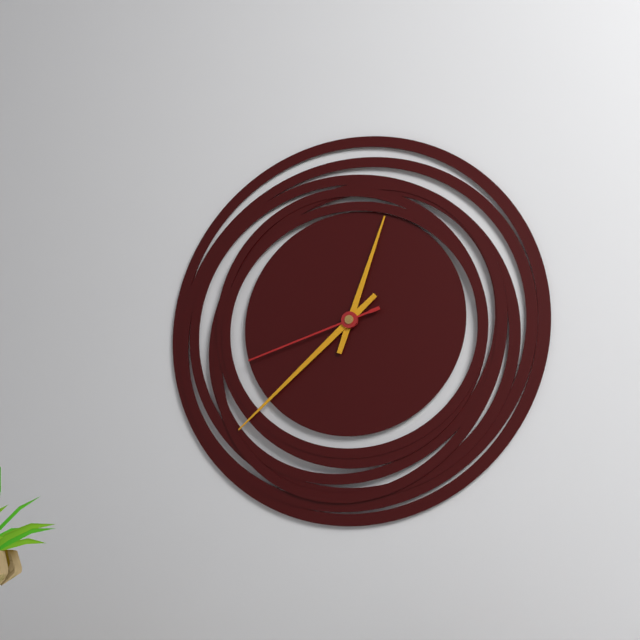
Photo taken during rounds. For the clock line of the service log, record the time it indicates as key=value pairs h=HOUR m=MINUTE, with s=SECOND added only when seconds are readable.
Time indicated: h=12 m=38 s=42
